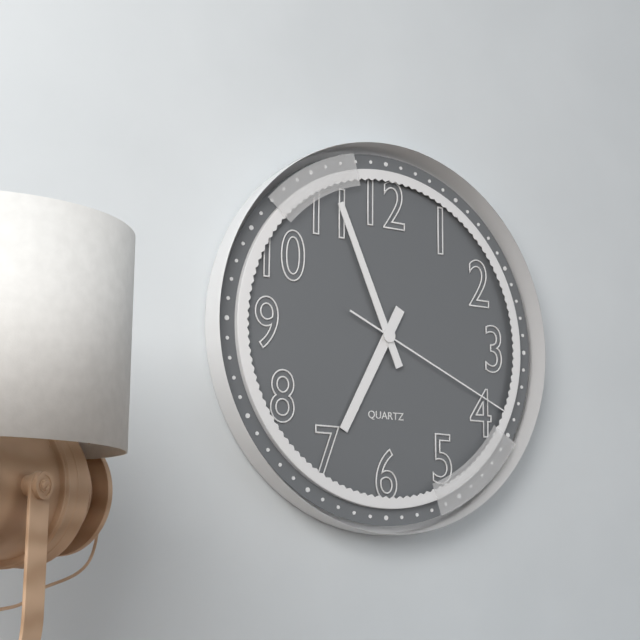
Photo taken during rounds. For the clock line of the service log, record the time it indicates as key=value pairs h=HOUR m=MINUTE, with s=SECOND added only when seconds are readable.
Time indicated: h=6 m=56 s=19
